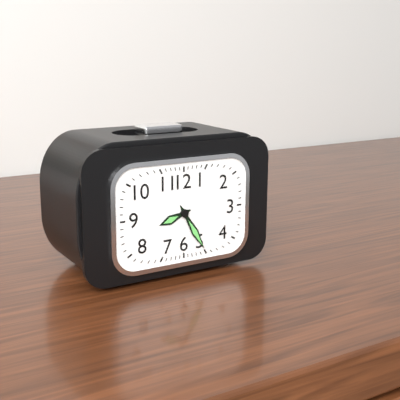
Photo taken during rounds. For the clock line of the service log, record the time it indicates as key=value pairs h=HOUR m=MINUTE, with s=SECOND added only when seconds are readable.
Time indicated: h=8 m=25
